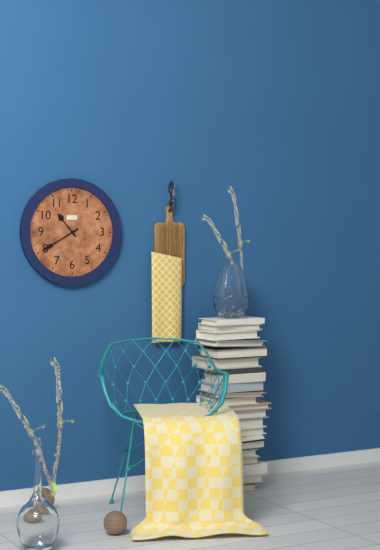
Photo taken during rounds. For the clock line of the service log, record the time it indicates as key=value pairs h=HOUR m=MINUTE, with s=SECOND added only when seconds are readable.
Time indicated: h=10 m=40
